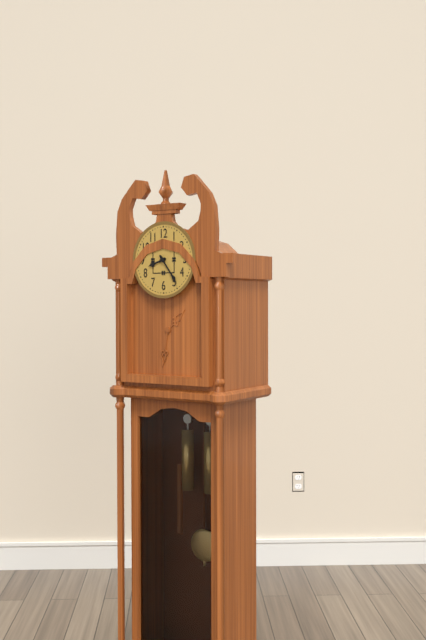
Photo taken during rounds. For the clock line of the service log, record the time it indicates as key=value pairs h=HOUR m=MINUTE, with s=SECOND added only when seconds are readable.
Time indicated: h=8 m=24
